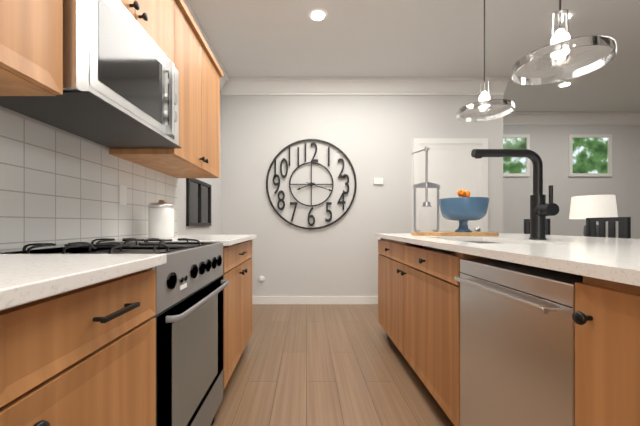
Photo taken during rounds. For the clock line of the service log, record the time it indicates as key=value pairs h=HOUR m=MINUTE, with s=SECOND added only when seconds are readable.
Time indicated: h=8 m=18
